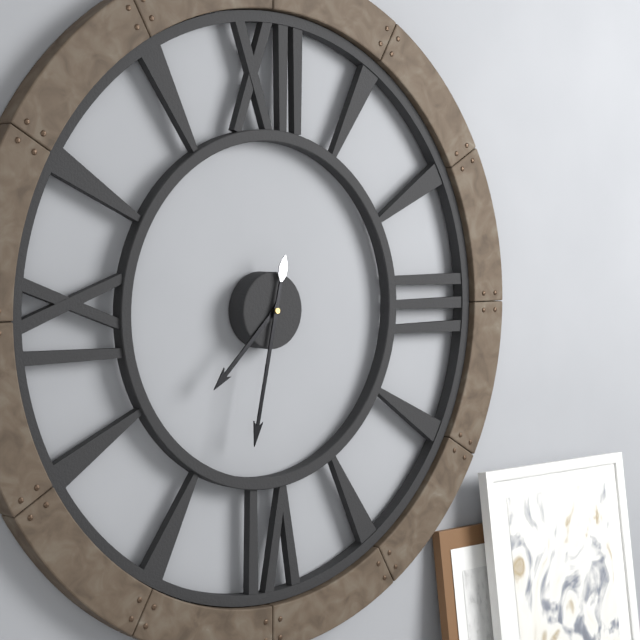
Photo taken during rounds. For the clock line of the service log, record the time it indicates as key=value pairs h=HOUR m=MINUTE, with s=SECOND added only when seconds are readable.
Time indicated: h=7 m=32
